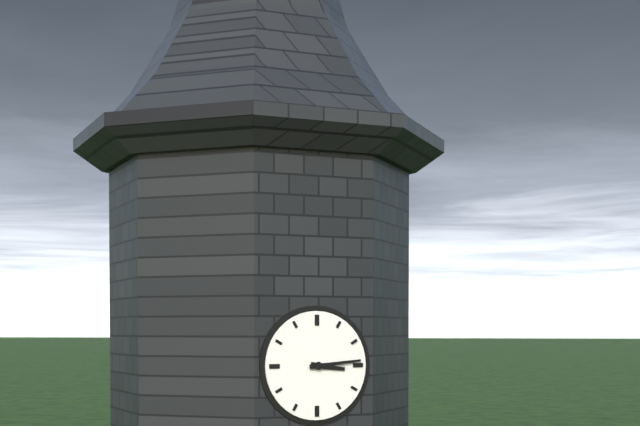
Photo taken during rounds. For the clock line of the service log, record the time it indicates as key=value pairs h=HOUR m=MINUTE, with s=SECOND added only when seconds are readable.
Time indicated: h=3 m=14
